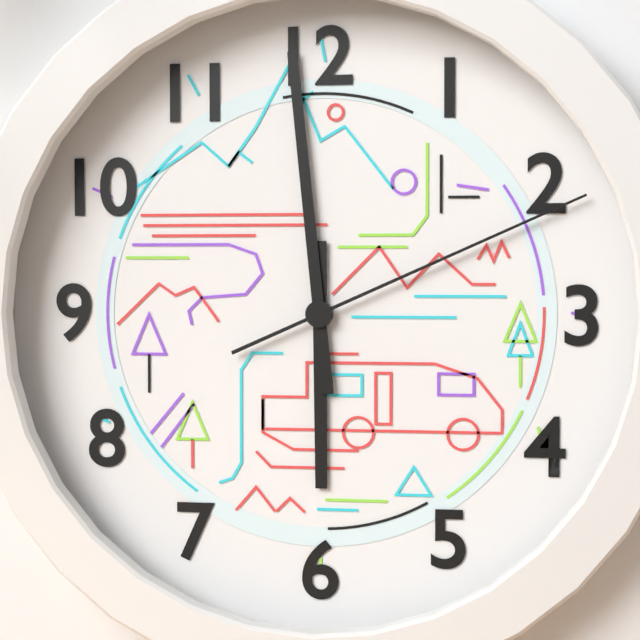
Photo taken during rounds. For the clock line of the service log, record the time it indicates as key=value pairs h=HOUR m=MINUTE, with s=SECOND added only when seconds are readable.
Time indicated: h=5 m=59 s=11
